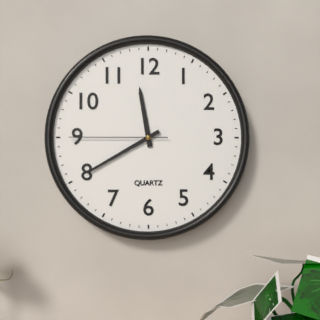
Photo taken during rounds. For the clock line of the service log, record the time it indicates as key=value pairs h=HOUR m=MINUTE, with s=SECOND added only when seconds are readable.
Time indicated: h=11 m=40 s=45
